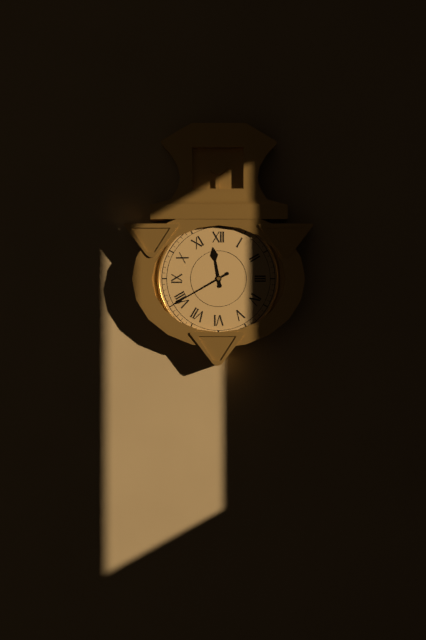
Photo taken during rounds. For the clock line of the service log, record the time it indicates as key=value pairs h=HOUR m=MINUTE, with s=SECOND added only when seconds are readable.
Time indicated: h=11 m=40
